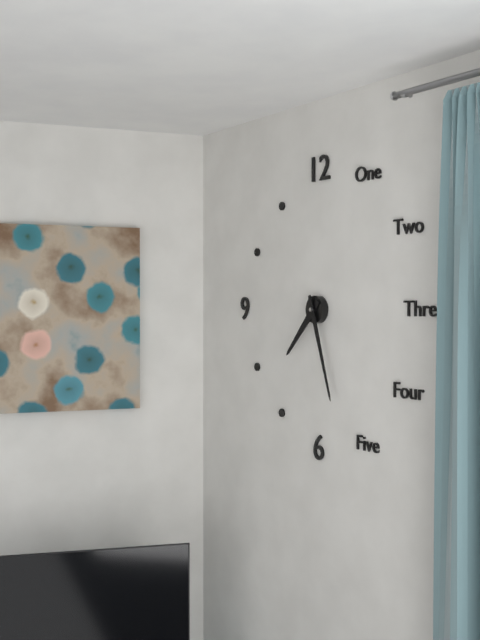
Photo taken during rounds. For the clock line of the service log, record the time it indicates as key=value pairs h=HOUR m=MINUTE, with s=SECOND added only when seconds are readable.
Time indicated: h=7 m=27
